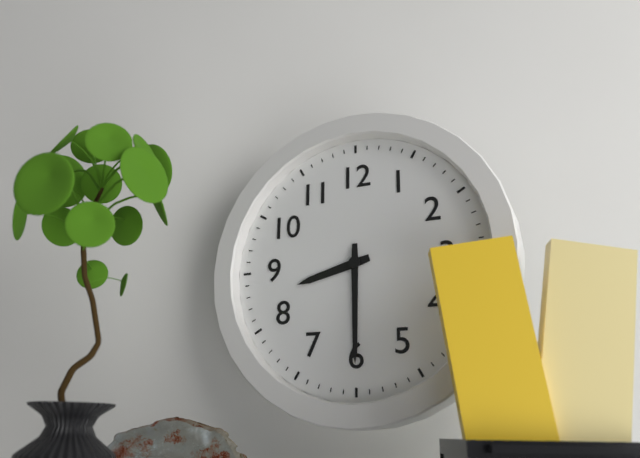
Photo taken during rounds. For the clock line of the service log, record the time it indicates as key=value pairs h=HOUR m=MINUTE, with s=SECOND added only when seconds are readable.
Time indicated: h=8 m=30
